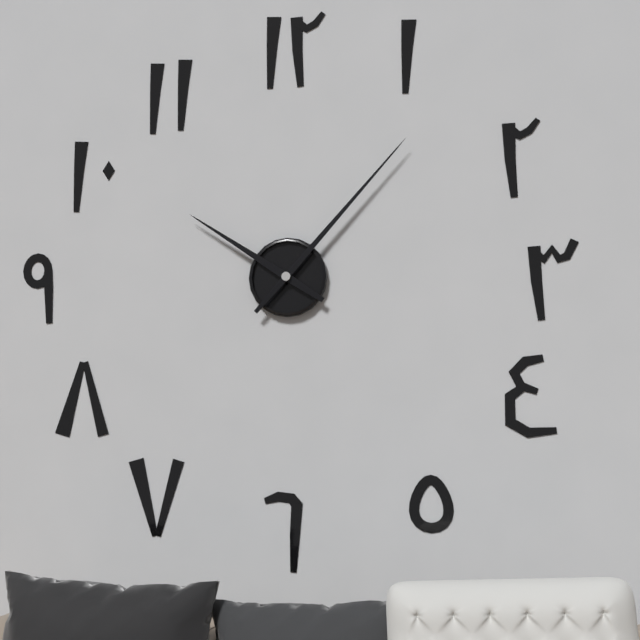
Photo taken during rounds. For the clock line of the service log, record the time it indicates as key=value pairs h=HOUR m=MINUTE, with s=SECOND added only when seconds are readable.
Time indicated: h=10 m=7
